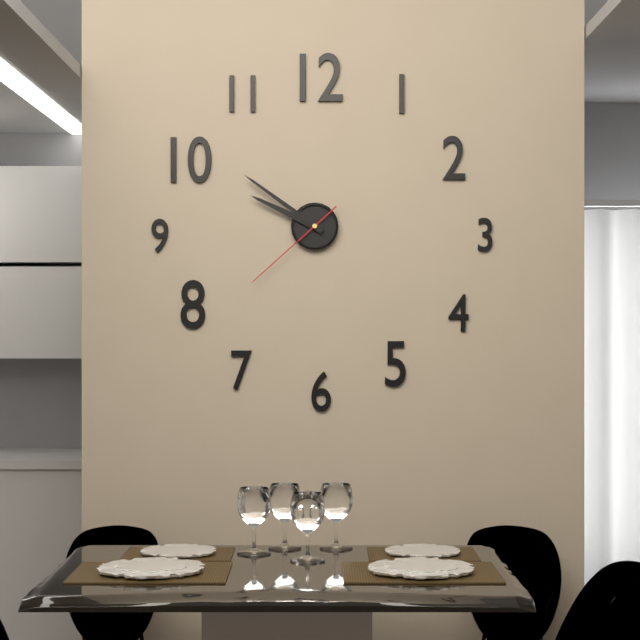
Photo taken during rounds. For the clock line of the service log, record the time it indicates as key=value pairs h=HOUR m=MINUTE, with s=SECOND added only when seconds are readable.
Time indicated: h=9 m=51 s=38
